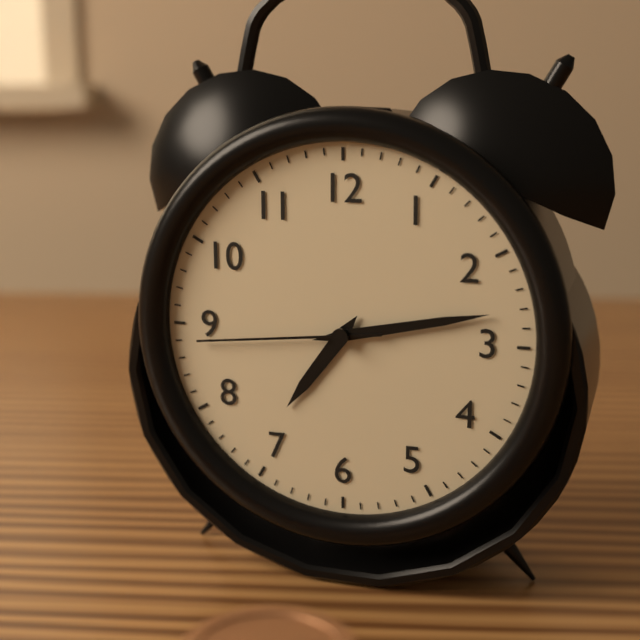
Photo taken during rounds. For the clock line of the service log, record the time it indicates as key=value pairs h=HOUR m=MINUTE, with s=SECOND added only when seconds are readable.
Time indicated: h=7 m=13 s=44
